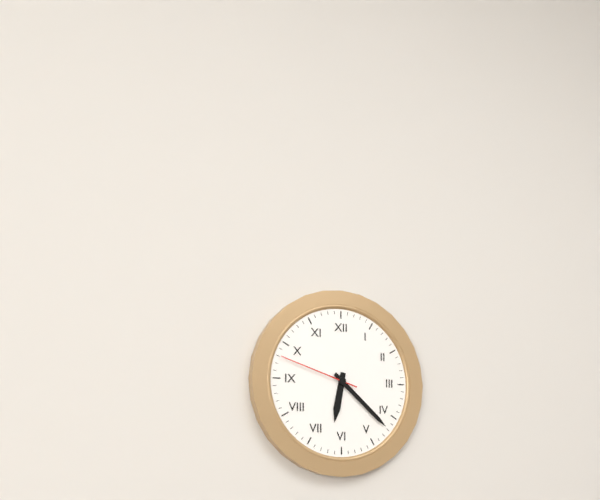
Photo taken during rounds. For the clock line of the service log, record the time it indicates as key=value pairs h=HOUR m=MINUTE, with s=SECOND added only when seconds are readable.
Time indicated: h=6 m=22 s=48
